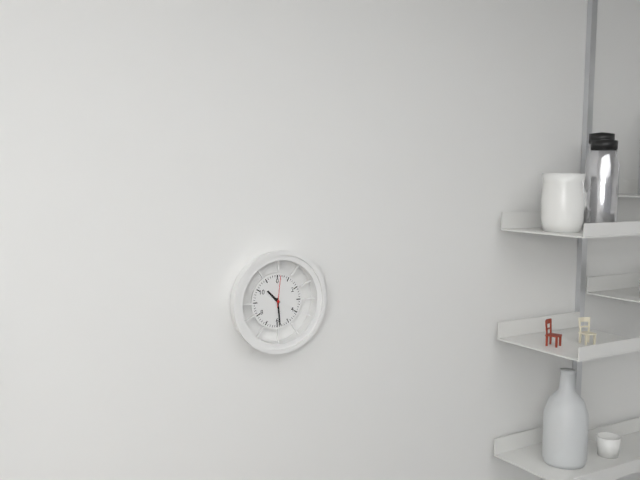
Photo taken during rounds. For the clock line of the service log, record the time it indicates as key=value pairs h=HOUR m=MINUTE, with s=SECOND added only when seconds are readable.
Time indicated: h=10 m=29
